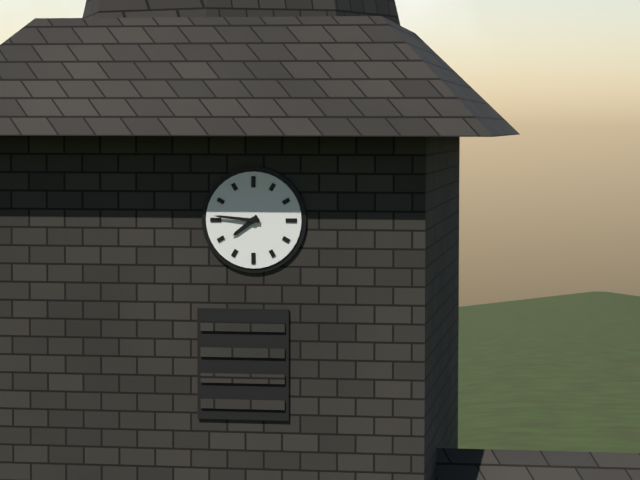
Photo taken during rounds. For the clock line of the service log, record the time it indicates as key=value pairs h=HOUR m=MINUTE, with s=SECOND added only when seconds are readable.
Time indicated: h=7 m=46
